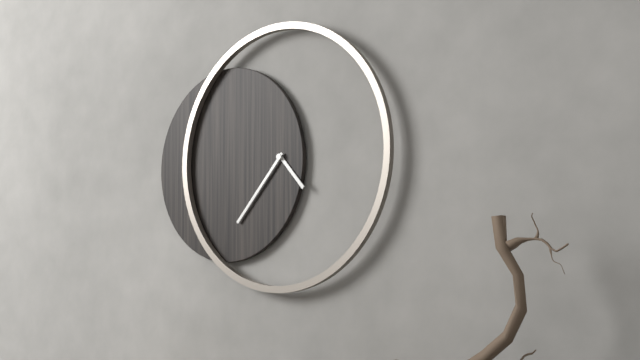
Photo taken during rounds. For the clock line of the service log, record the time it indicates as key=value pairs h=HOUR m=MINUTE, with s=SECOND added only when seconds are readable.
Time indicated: h=4 m=37
